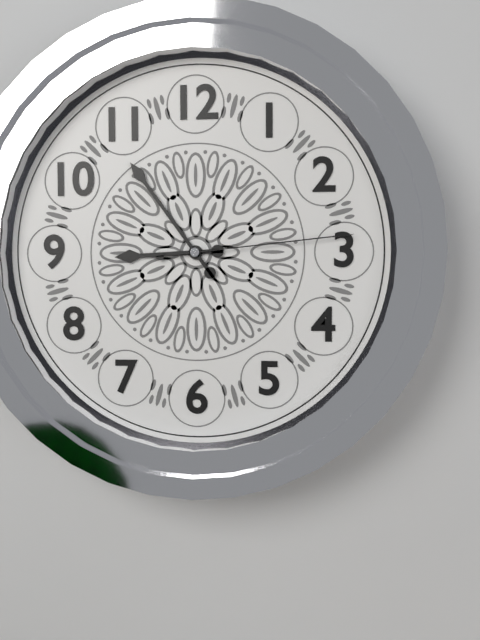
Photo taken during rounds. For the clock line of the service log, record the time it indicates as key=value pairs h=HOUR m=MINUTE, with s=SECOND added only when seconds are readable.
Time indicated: h=8 m=54 s=14
